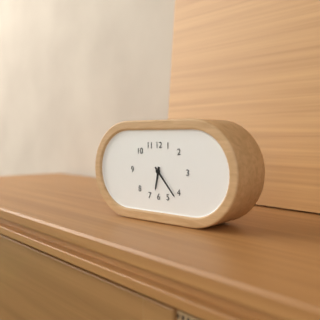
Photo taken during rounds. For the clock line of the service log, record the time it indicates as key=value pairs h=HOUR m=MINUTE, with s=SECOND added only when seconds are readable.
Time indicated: h=6 m=23
